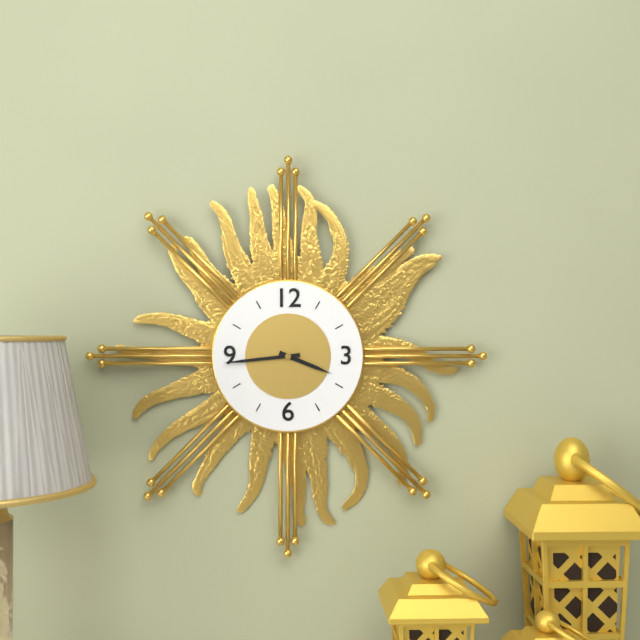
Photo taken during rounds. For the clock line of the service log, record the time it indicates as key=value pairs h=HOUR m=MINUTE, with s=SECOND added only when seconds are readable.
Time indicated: h=3 m=44
